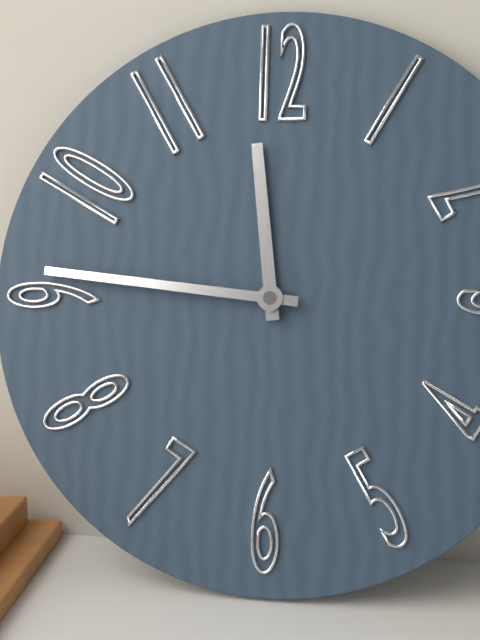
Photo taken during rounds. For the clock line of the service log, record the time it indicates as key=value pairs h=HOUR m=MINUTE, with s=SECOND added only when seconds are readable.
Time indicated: h=11 m=46
